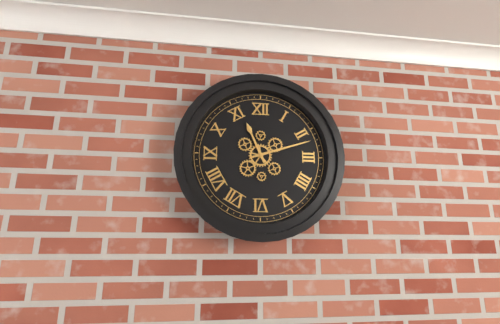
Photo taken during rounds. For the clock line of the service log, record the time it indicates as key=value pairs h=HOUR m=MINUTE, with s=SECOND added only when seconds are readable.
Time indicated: h=11 m=12
